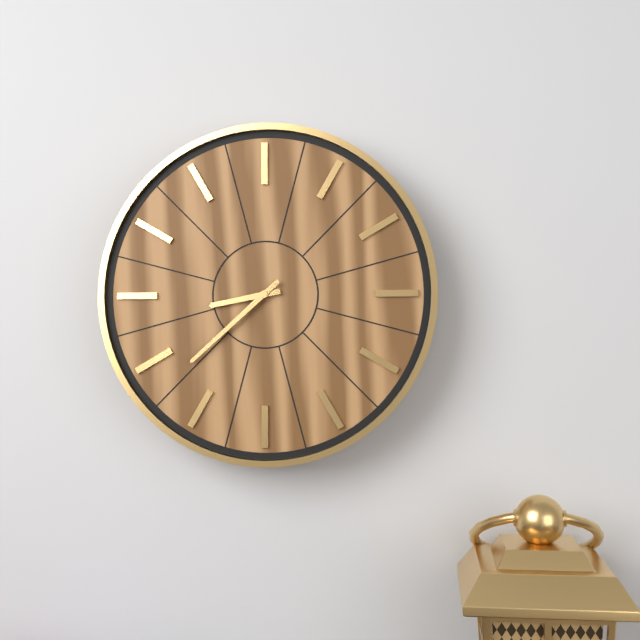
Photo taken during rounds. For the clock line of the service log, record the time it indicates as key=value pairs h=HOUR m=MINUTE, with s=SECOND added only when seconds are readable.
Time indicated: h=8 m=38
